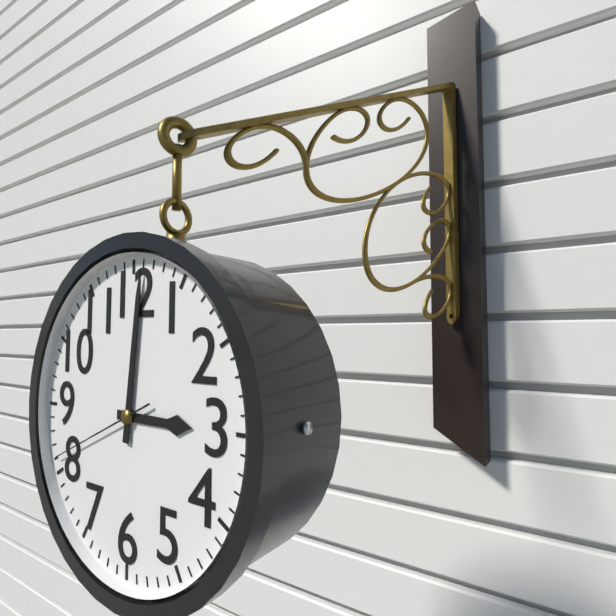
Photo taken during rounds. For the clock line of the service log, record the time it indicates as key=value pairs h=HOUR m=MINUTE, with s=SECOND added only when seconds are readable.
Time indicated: h=3 m=1 s=41
